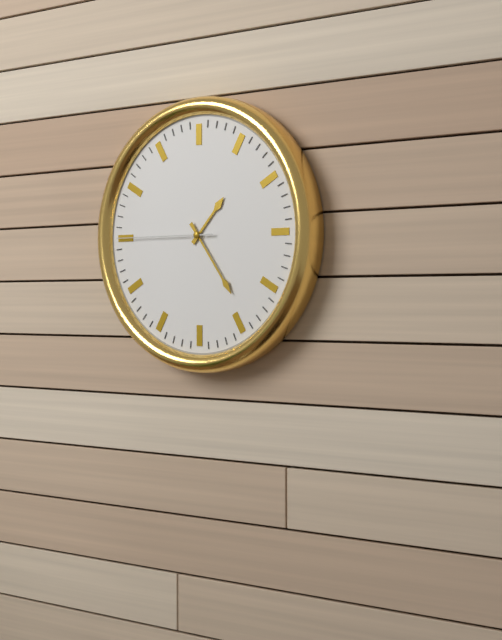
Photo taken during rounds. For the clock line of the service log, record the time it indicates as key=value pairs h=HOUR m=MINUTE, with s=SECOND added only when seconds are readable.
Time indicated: h=1 m=24 s=45
